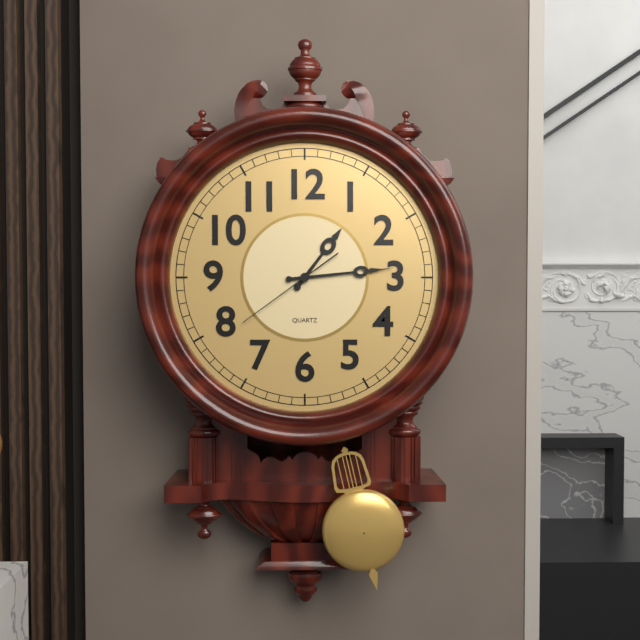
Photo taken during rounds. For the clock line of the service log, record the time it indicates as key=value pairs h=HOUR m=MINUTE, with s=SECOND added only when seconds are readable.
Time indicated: h=1 m=14 s=39
